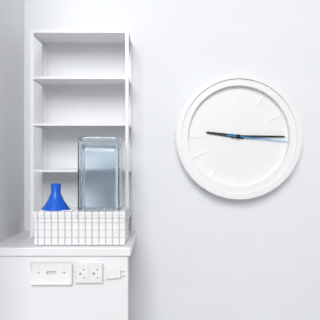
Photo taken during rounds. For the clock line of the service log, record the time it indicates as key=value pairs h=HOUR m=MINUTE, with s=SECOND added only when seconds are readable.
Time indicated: h=9 m=15 s=16
